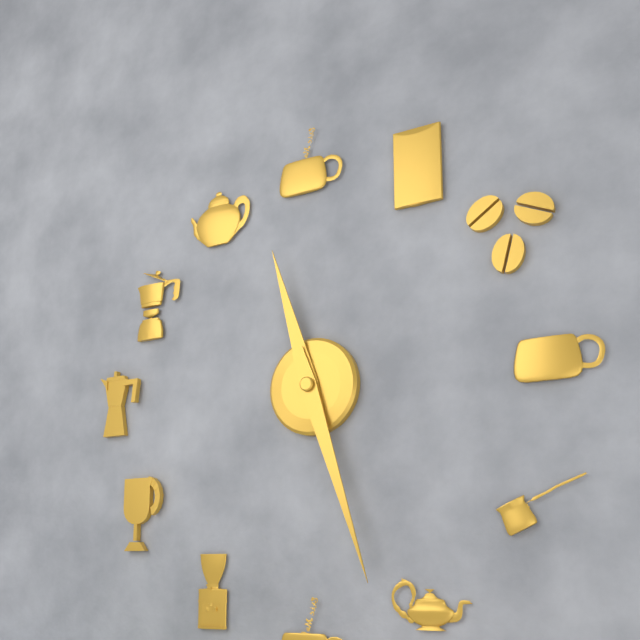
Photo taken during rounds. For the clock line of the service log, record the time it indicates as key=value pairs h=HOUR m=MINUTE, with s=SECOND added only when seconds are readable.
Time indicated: h=11 m=27
